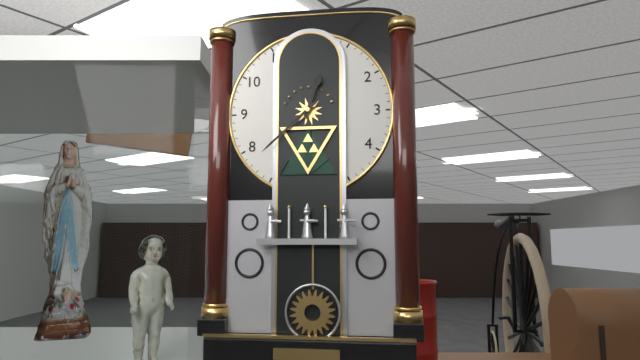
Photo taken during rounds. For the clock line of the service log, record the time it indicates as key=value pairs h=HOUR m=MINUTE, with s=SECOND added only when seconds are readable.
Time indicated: h=12 m=38
